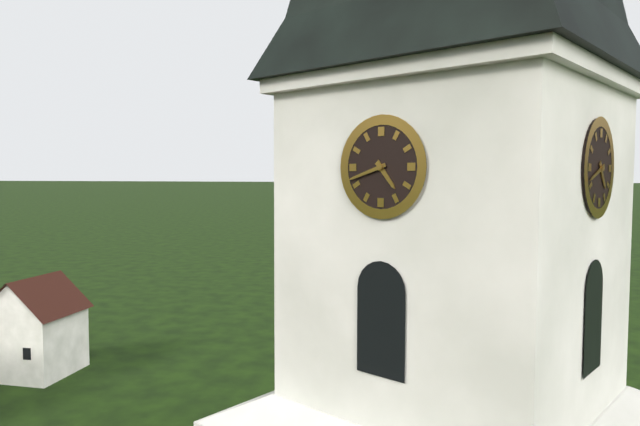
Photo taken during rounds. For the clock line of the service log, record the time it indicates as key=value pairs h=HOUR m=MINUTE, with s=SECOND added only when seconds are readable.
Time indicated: h=4 m=42
